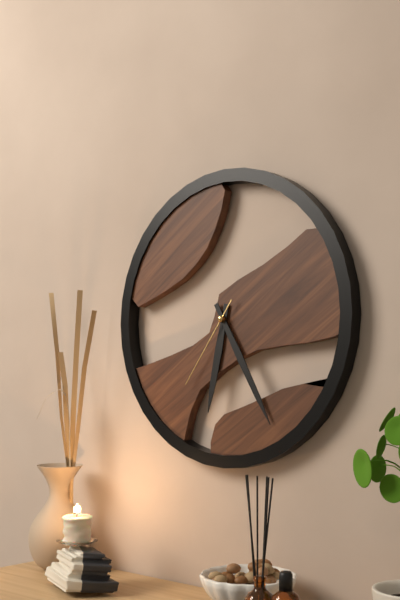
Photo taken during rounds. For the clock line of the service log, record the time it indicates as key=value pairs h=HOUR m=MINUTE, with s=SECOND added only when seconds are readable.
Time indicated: h=6 m=25 s=36
